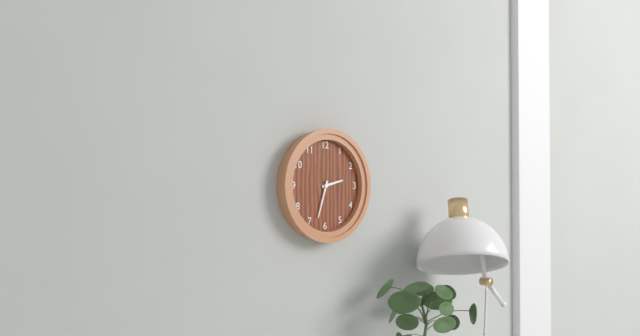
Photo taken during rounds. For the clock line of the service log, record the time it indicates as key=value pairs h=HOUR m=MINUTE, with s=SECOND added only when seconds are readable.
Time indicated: h=2 m=33
